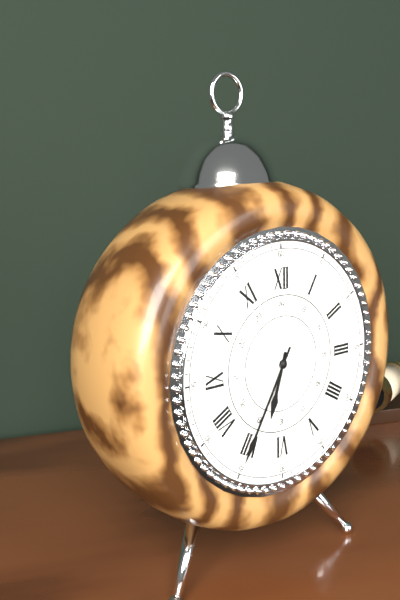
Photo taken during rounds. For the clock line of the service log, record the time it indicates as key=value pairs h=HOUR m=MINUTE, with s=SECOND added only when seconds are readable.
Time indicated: h=6 m=35
